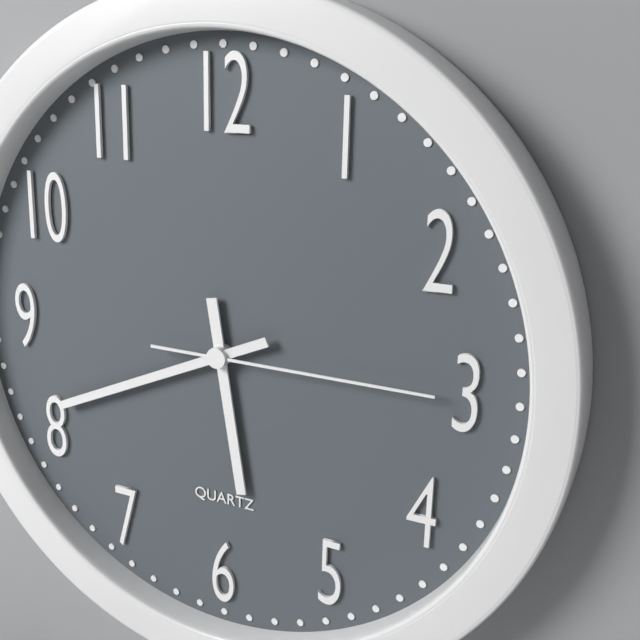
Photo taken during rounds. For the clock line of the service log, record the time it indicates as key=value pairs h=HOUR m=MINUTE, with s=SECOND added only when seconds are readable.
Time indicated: h=5 m=41 s=15
